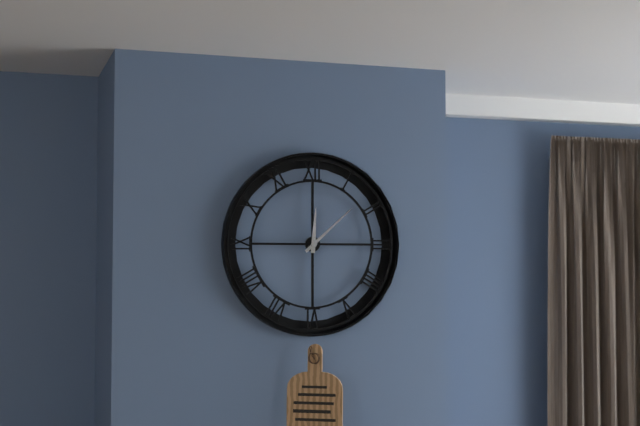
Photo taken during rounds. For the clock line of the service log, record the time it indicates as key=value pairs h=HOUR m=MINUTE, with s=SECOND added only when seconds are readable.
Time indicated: h=12 m=8
